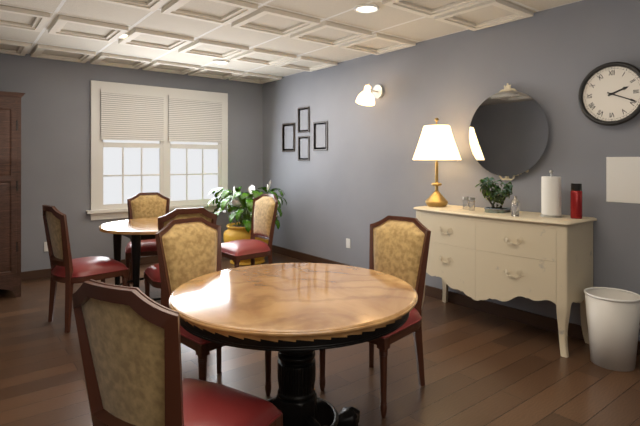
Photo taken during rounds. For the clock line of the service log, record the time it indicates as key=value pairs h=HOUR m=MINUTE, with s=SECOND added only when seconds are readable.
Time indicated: h=2 m=19
